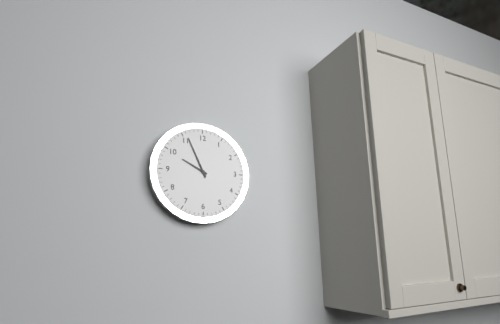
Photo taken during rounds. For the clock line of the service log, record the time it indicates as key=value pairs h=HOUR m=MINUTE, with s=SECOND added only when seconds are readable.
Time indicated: h=9 m=56
